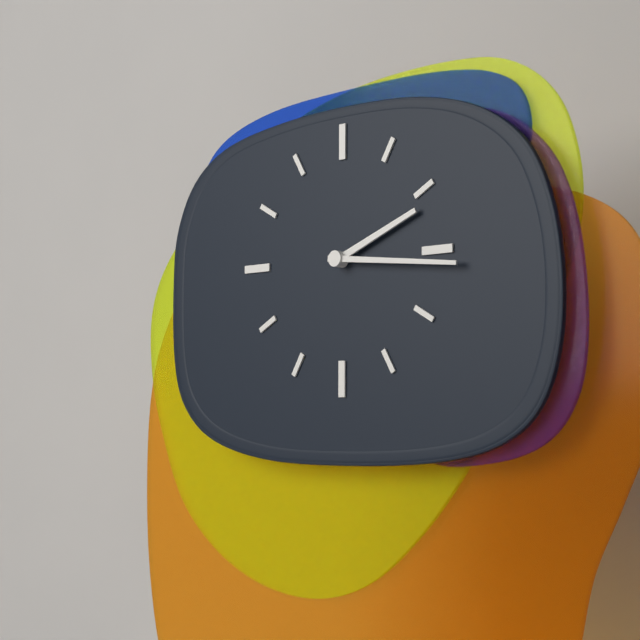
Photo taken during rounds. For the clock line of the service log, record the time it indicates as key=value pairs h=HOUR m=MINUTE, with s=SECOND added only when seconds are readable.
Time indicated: h=2 m=16
